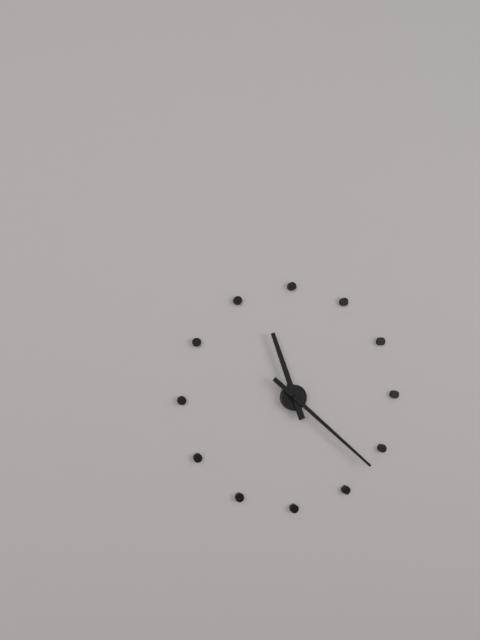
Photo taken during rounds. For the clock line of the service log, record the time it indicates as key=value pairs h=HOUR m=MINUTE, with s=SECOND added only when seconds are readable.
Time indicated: h=11 m=22
